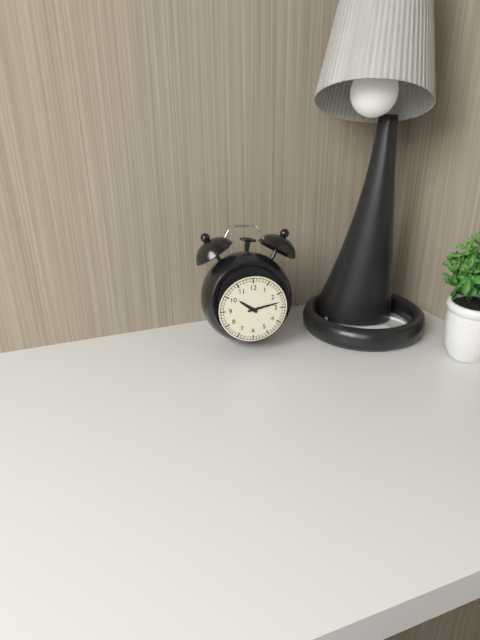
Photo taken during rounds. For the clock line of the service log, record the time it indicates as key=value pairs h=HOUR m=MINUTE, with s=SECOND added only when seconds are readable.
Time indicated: h=10 m=13
